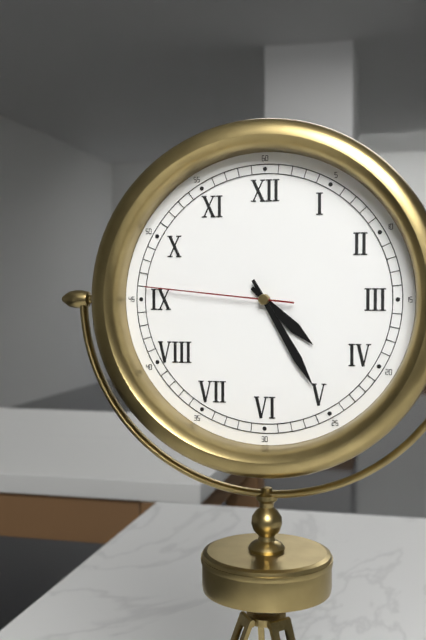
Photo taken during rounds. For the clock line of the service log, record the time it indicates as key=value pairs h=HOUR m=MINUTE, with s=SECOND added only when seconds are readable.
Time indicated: h=4 m=25 s=46
